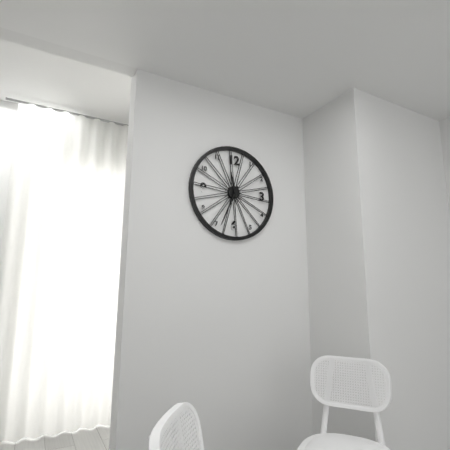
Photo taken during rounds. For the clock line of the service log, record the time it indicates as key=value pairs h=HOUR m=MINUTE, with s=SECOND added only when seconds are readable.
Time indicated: h=11 m=34
